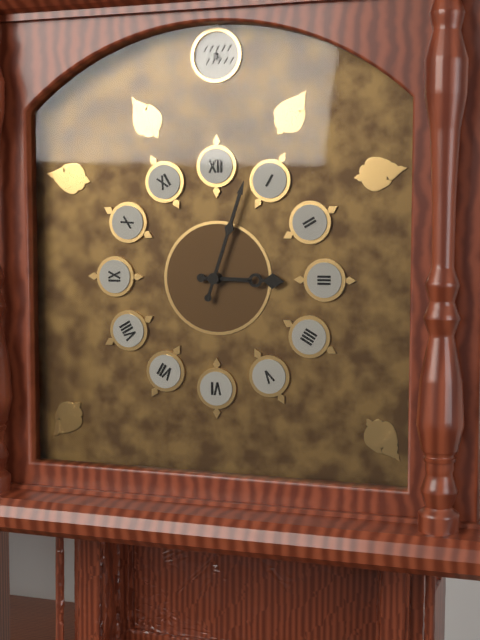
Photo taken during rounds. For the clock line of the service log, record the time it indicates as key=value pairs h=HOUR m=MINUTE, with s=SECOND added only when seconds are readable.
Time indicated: h=3 m=3
